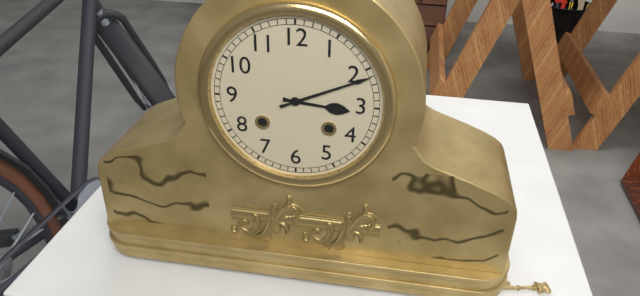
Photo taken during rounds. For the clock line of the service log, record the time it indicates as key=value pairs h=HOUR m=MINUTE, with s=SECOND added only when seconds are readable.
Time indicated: h=3 m=11
